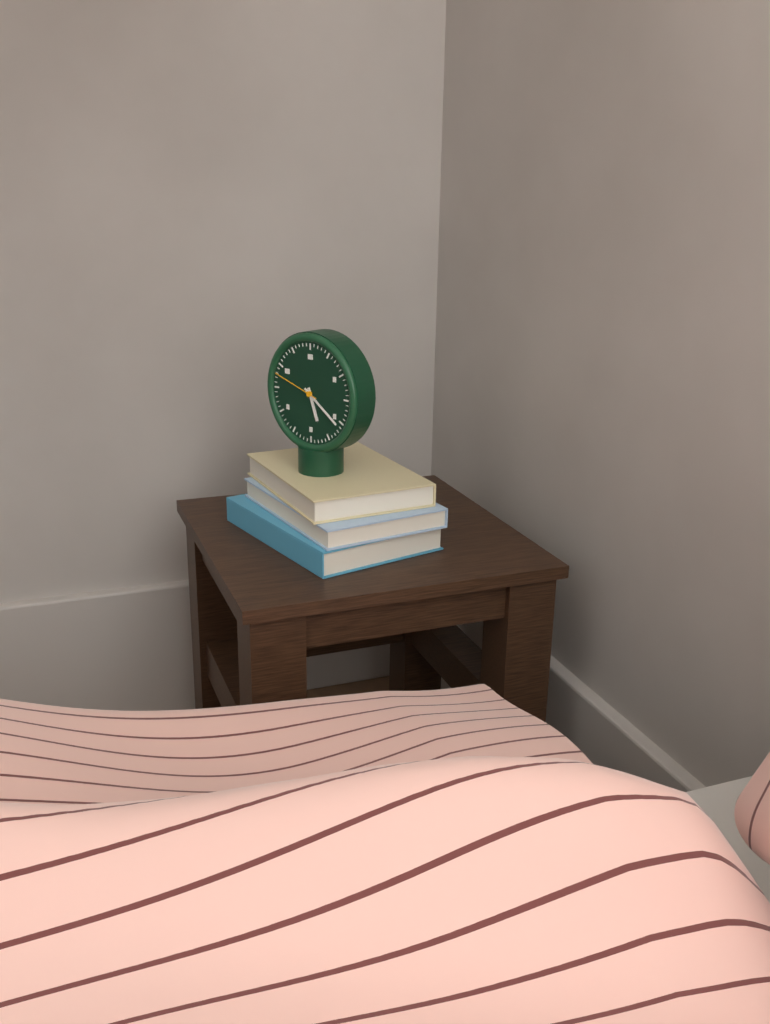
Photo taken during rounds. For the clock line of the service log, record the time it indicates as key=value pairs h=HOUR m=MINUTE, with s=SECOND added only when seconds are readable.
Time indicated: h=5 m=21
